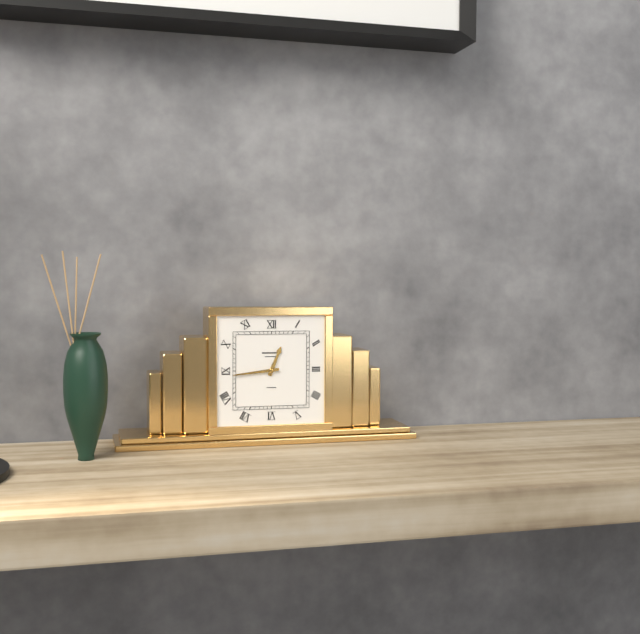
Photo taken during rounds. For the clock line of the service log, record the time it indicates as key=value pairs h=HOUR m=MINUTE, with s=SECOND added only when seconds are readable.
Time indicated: h=12 m=44
